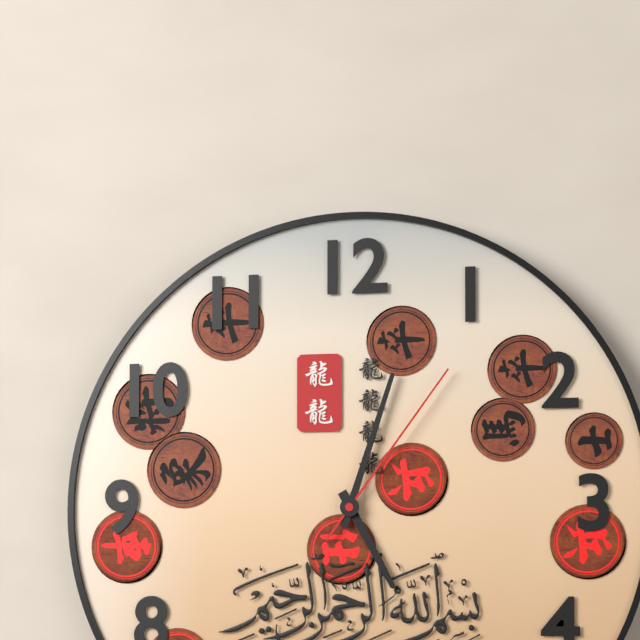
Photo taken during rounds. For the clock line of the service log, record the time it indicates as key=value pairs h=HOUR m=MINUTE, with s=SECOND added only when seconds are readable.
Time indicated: h=5 m=3 s=6
